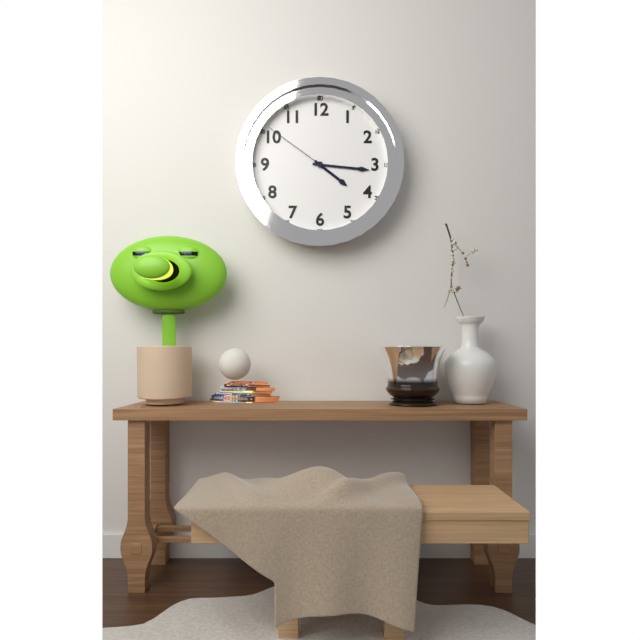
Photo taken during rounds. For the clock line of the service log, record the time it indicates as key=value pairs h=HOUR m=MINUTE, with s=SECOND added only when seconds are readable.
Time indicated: h=4 m=16 s=51
